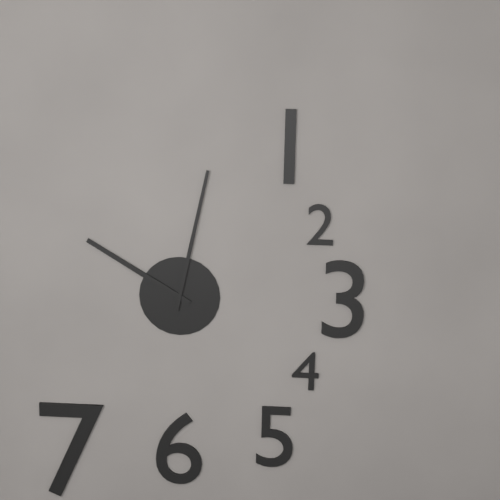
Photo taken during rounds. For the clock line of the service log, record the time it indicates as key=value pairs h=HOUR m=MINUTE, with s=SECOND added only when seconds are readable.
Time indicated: h=10 m=2
